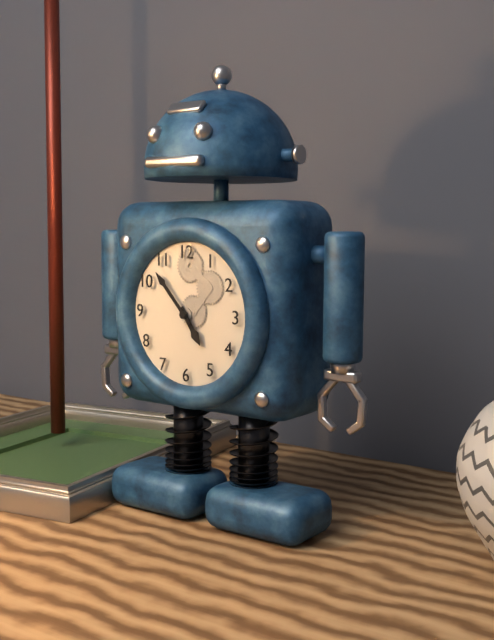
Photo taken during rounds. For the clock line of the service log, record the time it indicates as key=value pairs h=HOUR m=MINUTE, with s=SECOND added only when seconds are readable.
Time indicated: h=4 m=53
